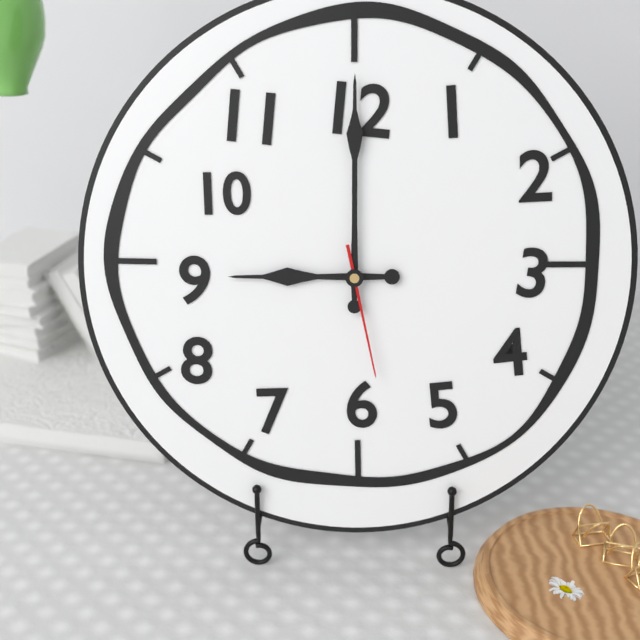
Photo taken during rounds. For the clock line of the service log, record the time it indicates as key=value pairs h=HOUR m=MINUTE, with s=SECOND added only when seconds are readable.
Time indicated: h=9 m=0 s=28
